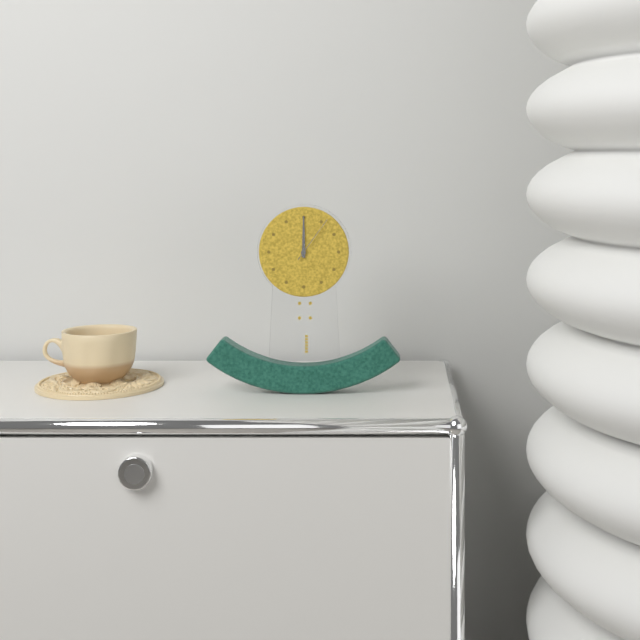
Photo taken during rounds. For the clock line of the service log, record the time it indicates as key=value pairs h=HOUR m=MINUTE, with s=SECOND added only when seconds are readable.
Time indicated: h=12 m=0 s=6
